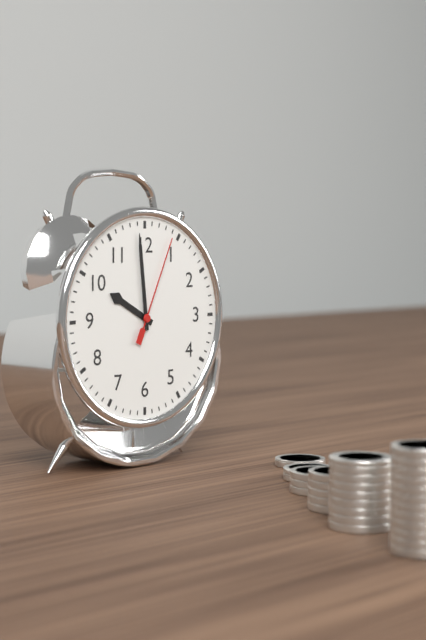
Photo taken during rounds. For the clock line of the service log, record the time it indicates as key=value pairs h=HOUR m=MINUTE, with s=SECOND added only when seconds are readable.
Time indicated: h=9 m=59 s=4
